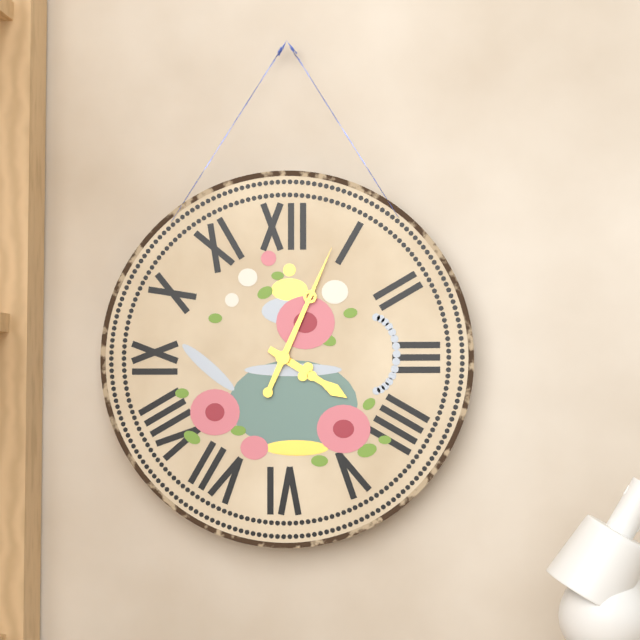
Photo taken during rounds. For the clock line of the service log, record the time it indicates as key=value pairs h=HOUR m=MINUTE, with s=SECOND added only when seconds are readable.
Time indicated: h=4 m=4
